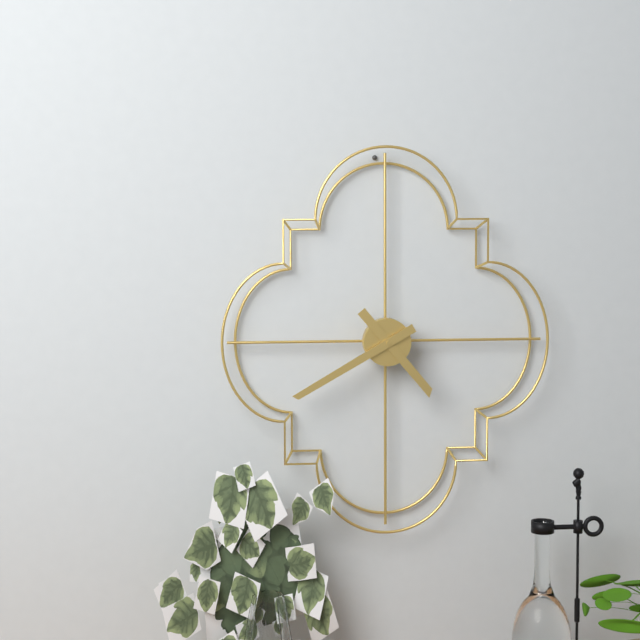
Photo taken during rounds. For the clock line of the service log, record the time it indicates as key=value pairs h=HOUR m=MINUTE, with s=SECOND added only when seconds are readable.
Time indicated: h=4 m=40
